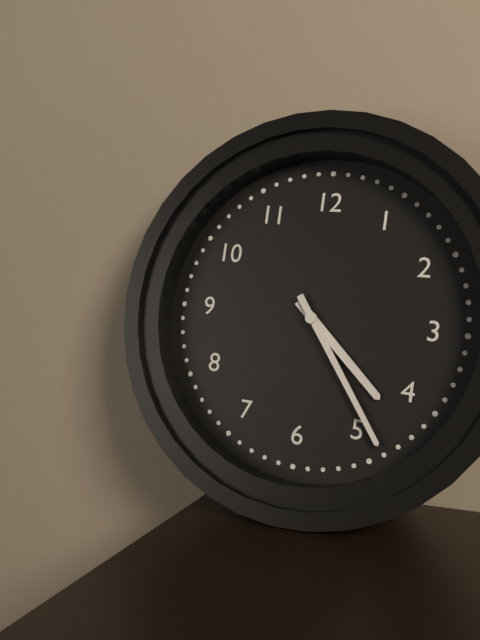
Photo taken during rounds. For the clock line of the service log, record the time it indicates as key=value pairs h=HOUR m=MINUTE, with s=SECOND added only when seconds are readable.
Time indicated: h=4 m=24
